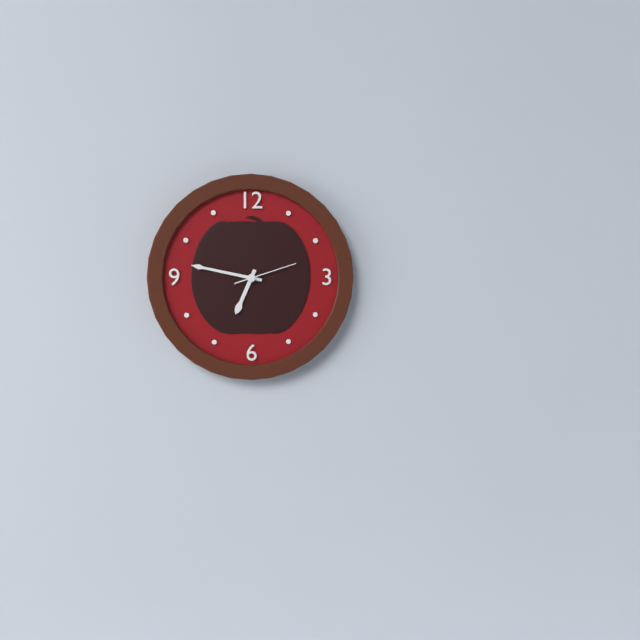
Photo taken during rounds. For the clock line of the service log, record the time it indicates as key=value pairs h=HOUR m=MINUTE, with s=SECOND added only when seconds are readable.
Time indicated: h=6 m=47 s=12
